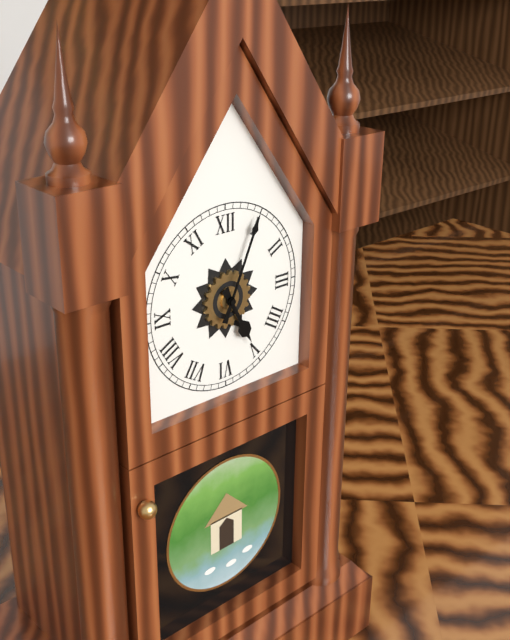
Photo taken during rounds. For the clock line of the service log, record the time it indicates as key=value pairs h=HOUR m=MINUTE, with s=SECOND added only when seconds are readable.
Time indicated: h=5 m=4
